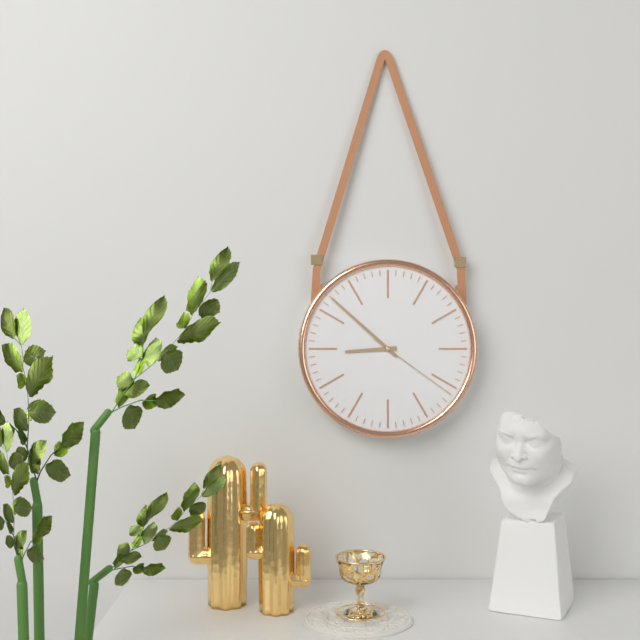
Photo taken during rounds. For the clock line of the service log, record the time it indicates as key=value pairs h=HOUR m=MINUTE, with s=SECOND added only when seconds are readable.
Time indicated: h=8 m=52 s=21
